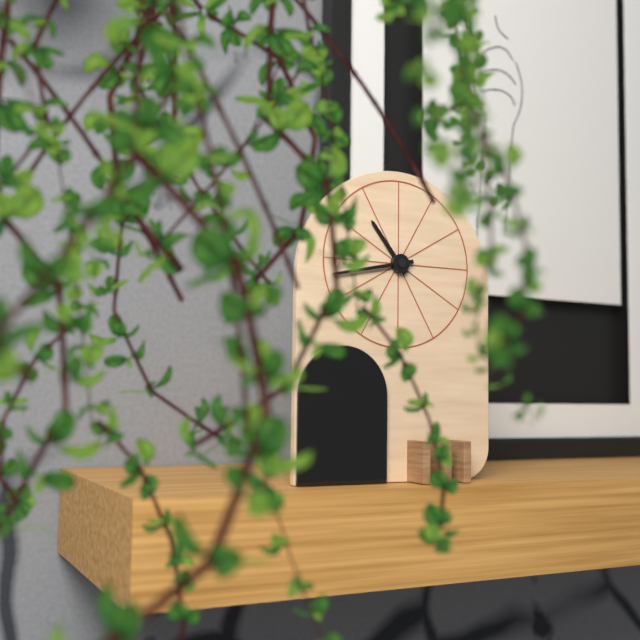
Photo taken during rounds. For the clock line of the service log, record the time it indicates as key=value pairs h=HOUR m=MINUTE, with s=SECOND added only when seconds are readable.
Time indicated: h=10 m=43
